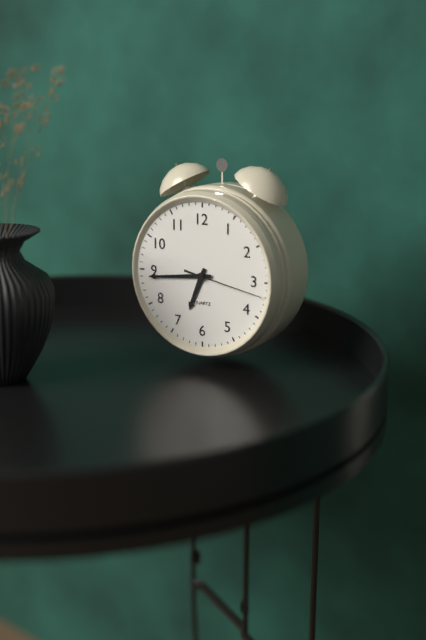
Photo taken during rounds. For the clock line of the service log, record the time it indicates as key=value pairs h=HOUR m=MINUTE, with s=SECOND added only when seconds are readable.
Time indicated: h=6 m=44 s=17
